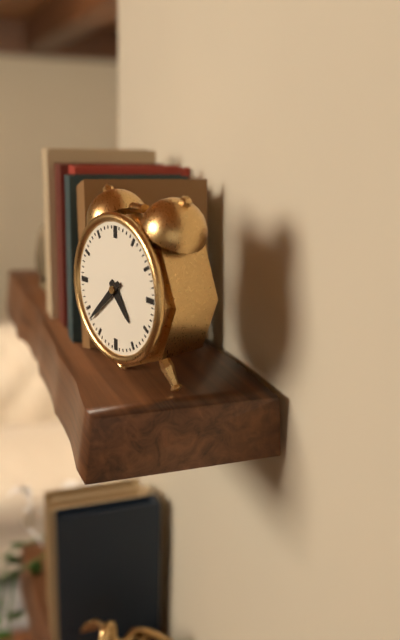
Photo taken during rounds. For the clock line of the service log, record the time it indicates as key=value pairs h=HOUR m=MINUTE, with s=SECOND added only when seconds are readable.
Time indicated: h=4 m=38
